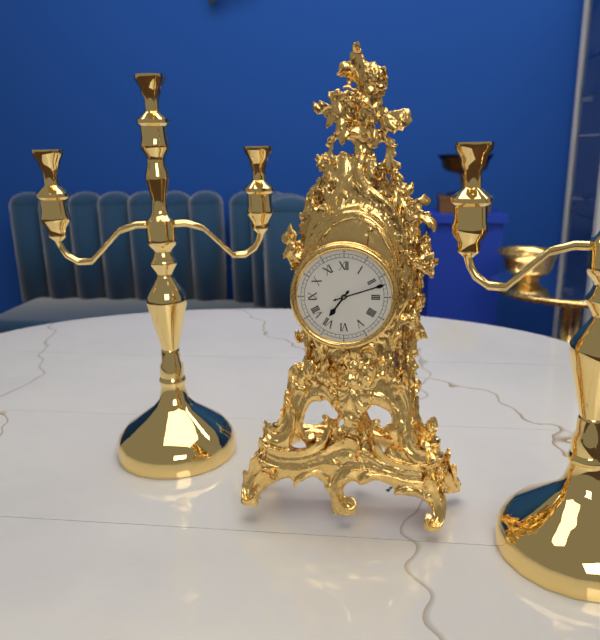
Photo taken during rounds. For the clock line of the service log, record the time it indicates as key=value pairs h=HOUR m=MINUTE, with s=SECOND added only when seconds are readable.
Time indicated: h=7 m=12
